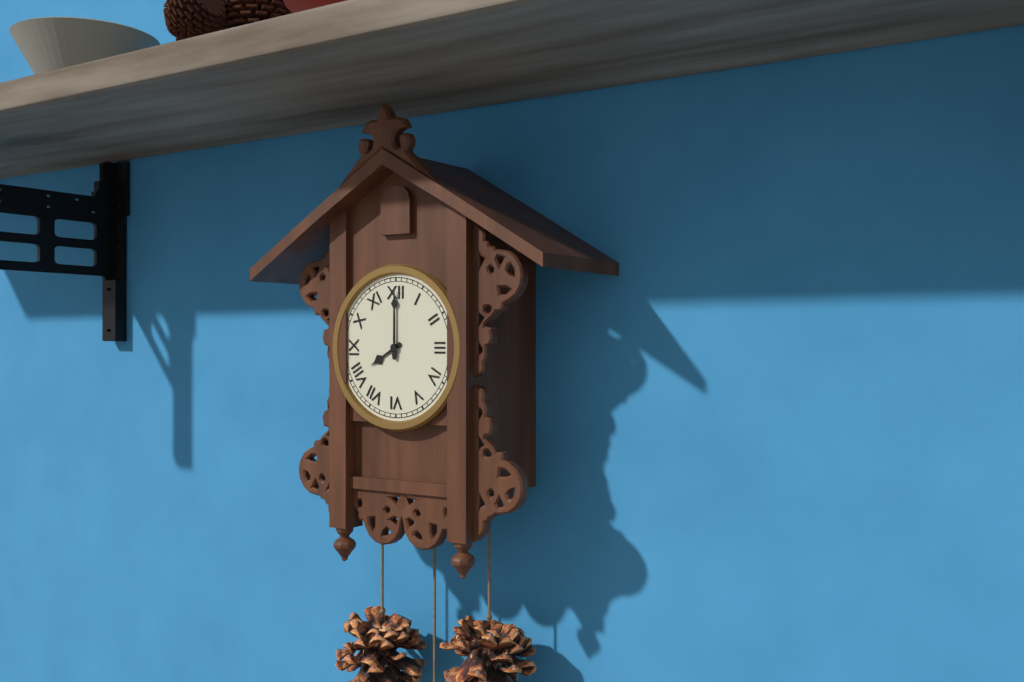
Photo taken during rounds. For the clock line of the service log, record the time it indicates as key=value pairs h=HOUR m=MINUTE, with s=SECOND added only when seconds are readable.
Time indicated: h=8 m=0
